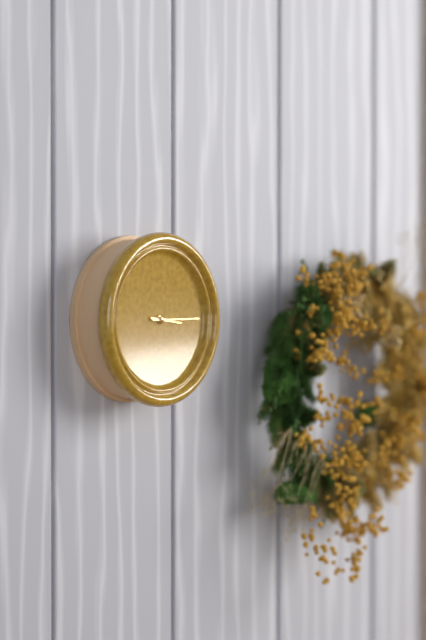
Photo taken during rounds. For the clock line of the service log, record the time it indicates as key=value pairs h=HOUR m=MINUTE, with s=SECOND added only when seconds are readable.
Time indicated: h=3 m=15
